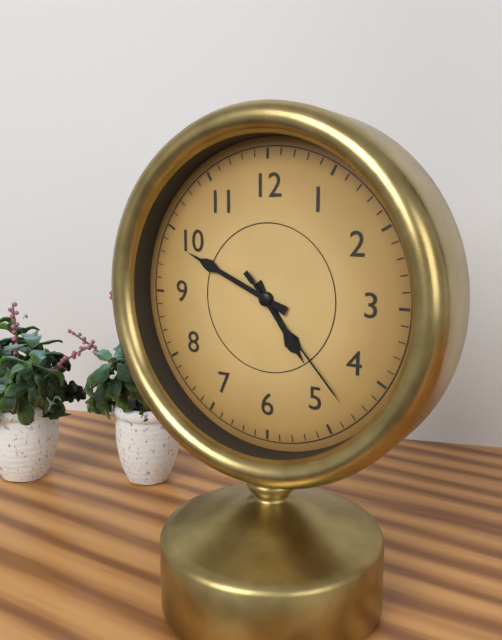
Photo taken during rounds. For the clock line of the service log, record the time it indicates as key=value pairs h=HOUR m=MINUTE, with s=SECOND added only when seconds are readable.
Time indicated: h=4 m=49 s=23
